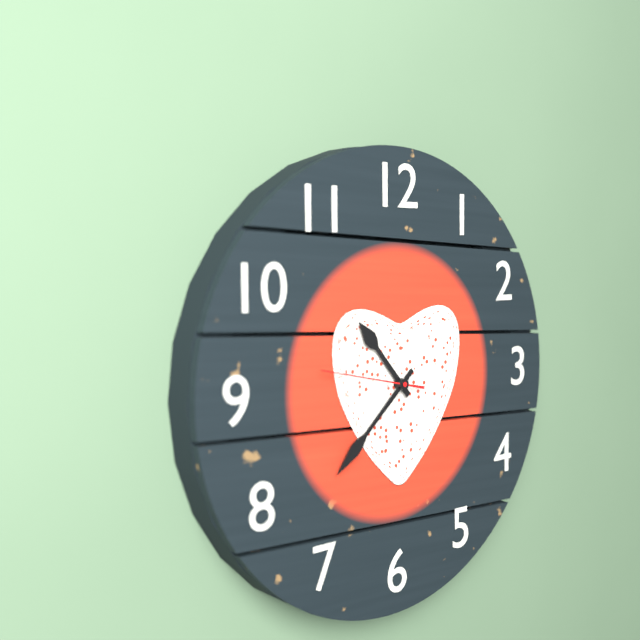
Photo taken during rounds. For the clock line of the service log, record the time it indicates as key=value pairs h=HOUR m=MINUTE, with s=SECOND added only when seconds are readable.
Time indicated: h=10 m=38 s=47
